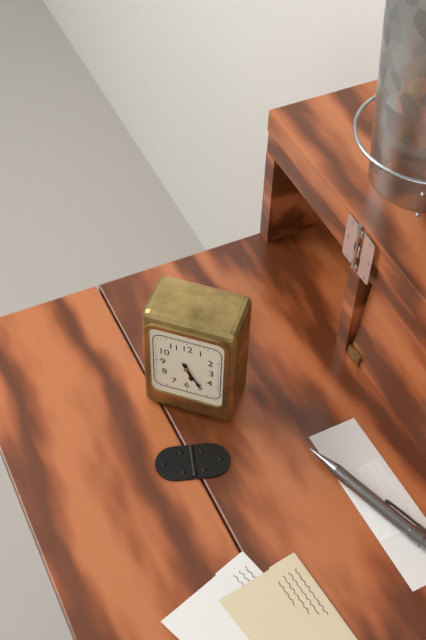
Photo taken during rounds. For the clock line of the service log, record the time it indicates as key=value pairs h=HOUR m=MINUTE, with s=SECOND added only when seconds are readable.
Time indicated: h=5 m=25
